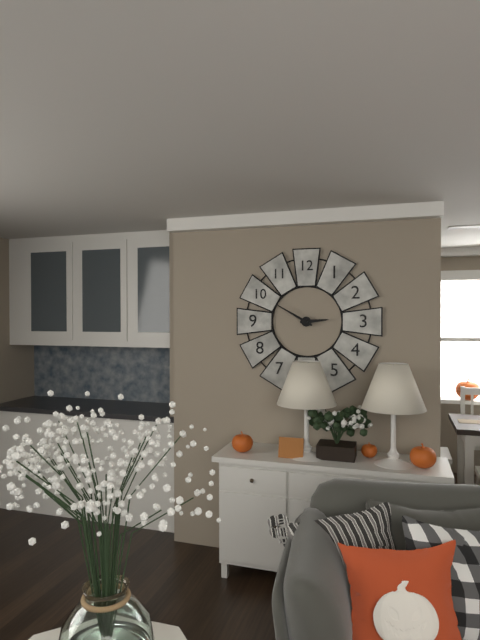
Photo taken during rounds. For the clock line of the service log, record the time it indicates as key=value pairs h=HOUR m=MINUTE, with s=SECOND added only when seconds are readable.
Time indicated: h=2 m=50
